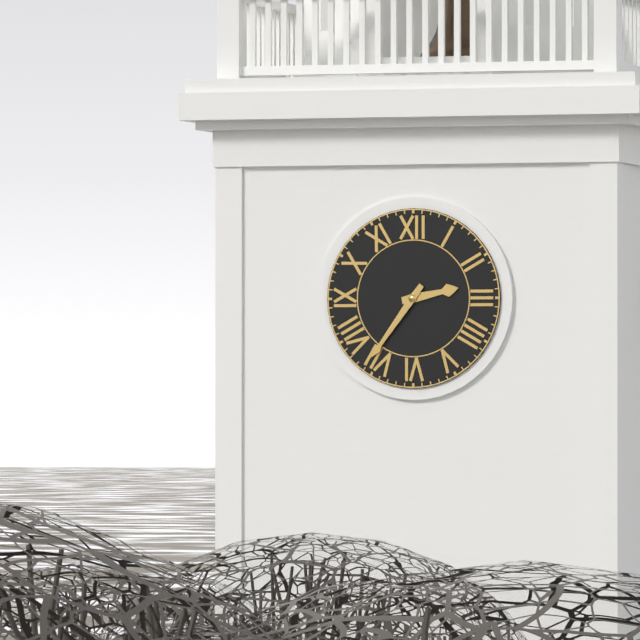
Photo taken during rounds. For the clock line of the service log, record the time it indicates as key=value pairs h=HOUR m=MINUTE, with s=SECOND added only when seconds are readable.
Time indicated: h=2 m=36
